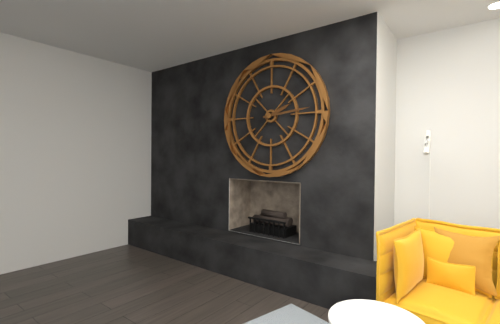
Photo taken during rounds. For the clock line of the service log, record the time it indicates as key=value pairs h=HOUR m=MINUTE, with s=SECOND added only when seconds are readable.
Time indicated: h=2 m=14
